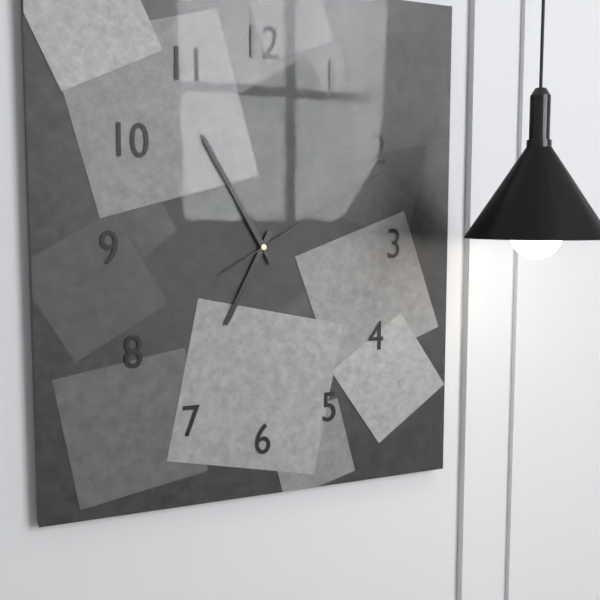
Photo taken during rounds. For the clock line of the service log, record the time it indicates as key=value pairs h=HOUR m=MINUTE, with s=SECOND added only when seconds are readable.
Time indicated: h=6 m=55 s=10
